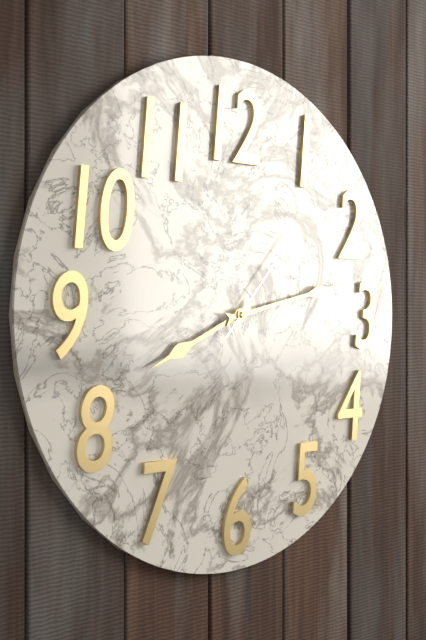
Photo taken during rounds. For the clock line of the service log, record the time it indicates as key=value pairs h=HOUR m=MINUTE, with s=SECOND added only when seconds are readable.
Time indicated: h=8 m=13 s=7
